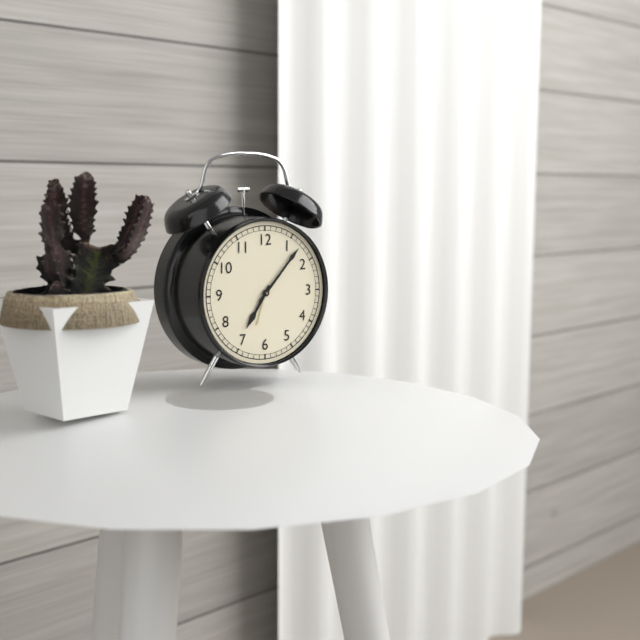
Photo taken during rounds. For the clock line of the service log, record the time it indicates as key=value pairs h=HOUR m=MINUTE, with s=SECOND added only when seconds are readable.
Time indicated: h=7 m=7
